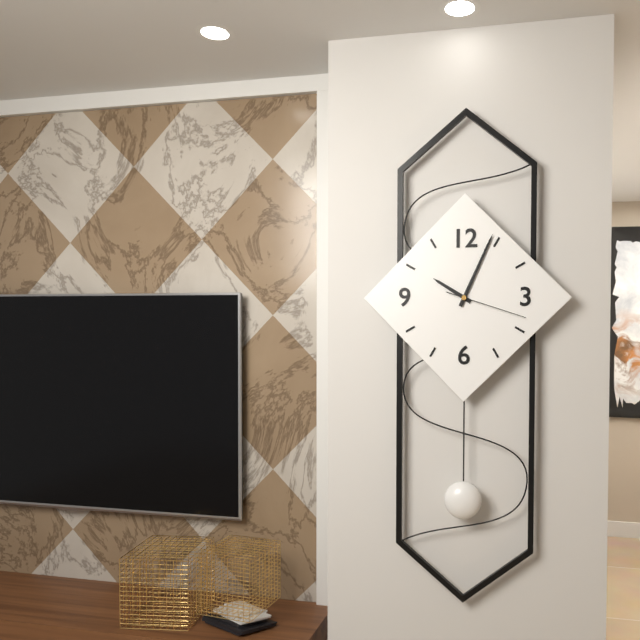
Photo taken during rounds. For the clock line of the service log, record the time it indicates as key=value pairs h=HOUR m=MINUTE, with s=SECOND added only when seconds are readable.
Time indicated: h=10 m=4 s=18
